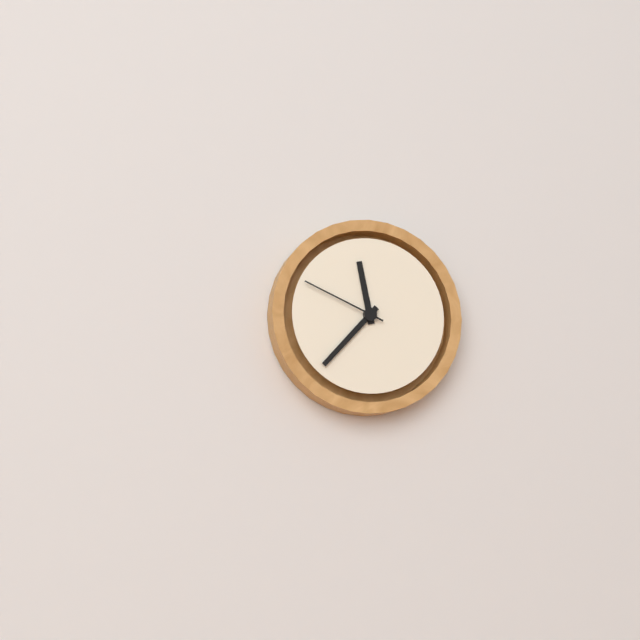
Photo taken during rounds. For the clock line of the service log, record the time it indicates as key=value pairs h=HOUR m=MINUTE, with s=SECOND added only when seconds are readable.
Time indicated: h=11 m=37 s=49
